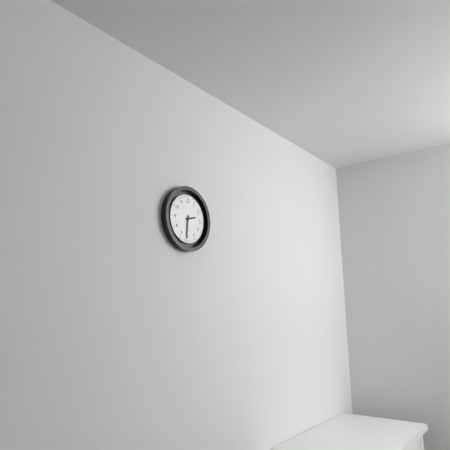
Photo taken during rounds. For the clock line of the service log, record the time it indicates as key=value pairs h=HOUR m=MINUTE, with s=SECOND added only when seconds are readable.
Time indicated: h=2 m=31
